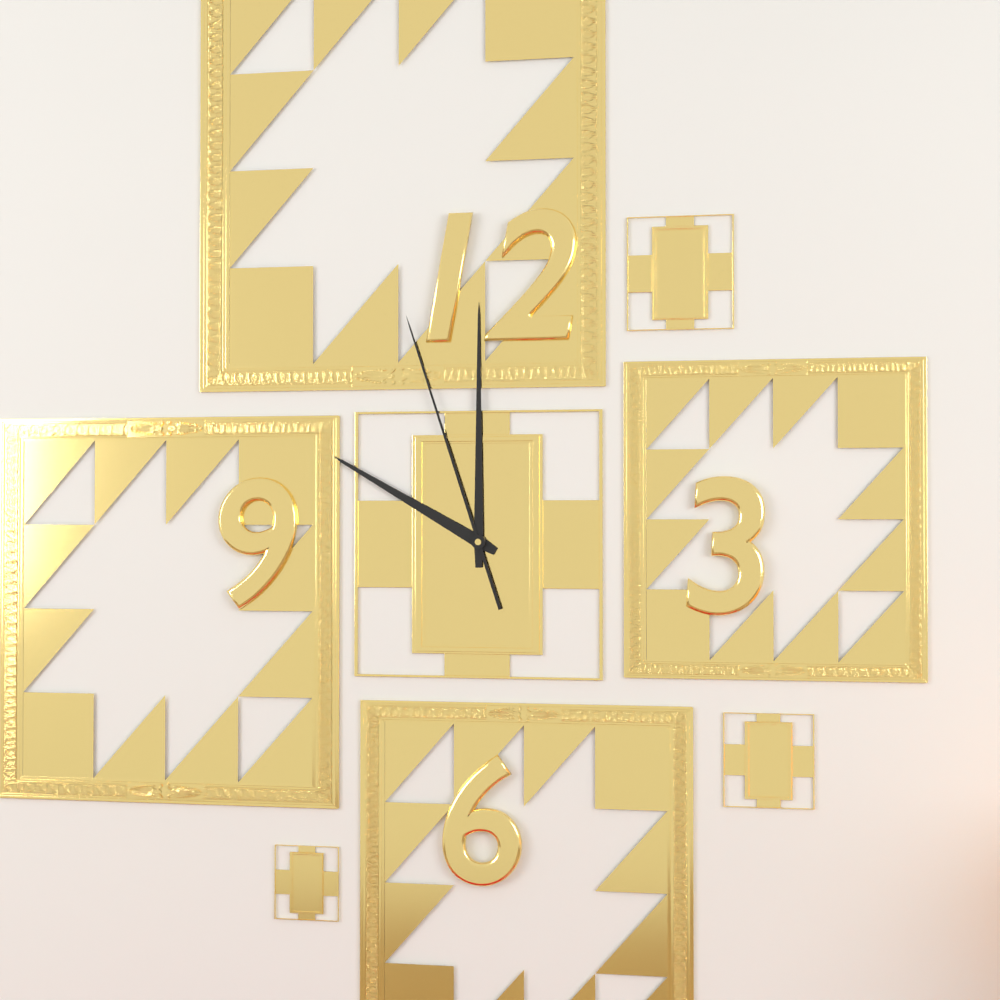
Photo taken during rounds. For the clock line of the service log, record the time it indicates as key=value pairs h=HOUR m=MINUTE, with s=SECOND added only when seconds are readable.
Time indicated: h=10 m=0 s=57
